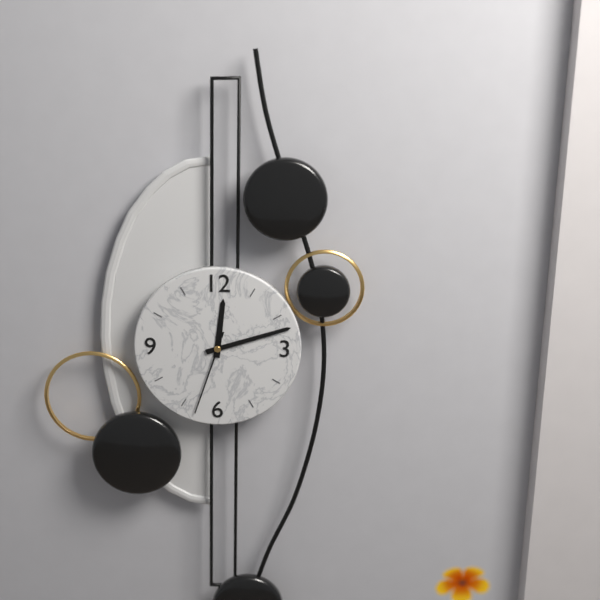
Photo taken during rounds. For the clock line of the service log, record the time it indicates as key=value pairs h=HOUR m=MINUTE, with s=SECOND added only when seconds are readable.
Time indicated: h=12 m=12 s=33
